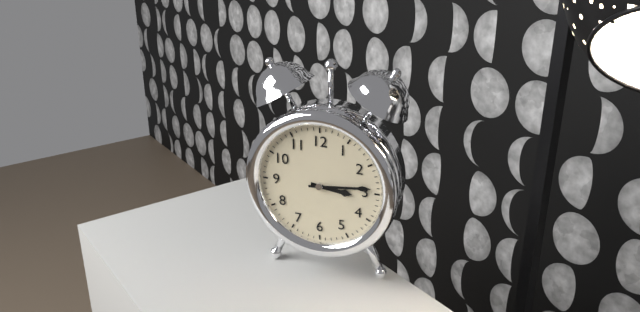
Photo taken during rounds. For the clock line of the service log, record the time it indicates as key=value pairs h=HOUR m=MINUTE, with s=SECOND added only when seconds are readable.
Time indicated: h=3 m=14
